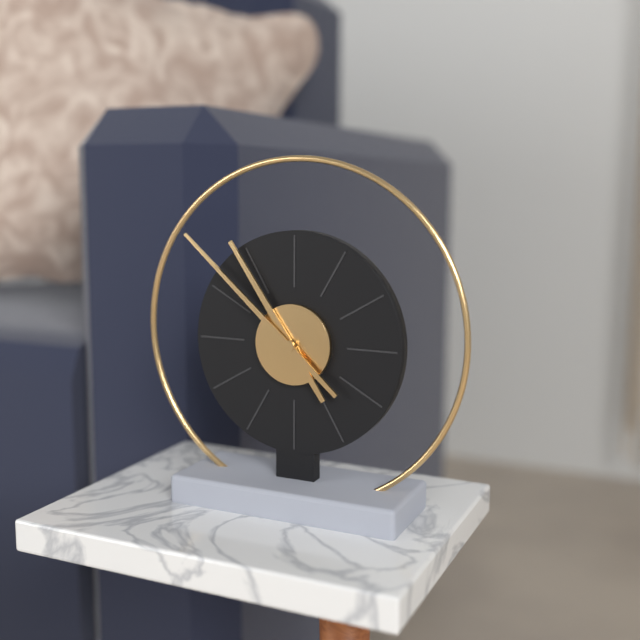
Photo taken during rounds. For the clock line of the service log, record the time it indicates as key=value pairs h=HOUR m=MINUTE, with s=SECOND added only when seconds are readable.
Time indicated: h=10 m=52
